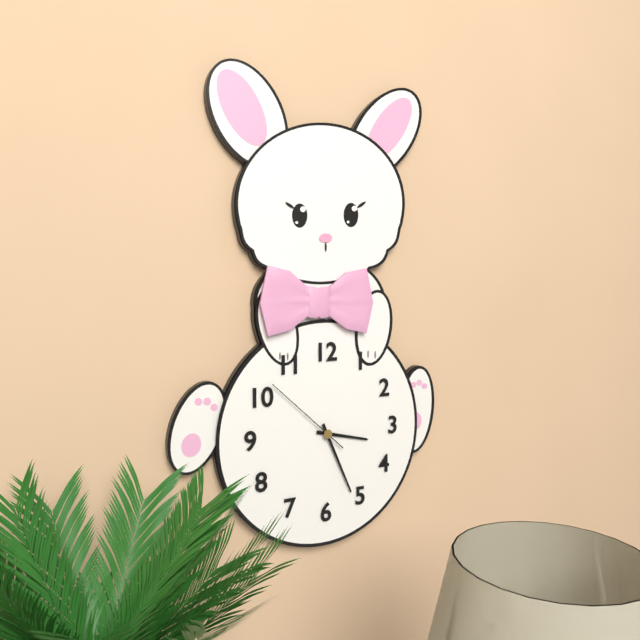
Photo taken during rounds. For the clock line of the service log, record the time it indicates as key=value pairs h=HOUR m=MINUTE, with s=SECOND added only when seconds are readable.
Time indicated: h=3 m=26 s=52
